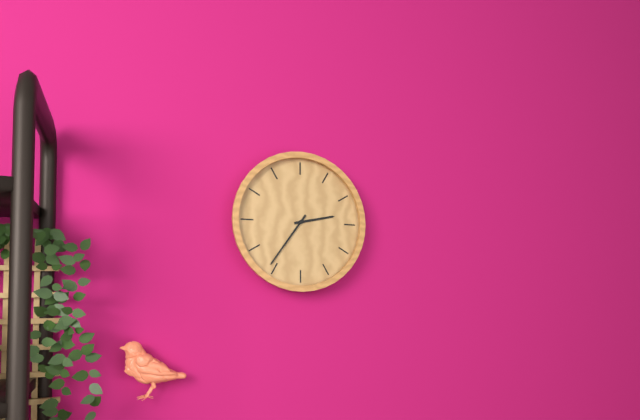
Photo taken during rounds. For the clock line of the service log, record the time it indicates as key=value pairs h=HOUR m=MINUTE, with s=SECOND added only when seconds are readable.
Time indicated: h=2 m=36
